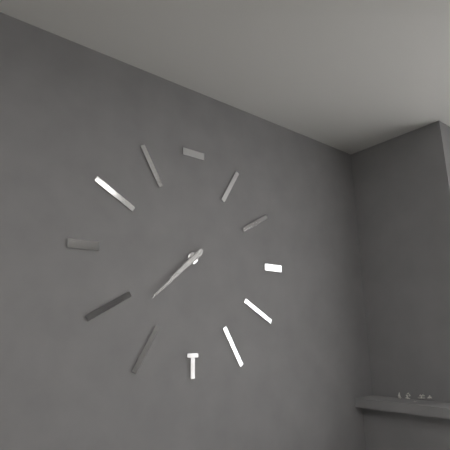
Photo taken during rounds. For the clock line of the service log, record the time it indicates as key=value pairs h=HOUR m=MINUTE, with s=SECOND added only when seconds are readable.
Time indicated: h=7 m=38
